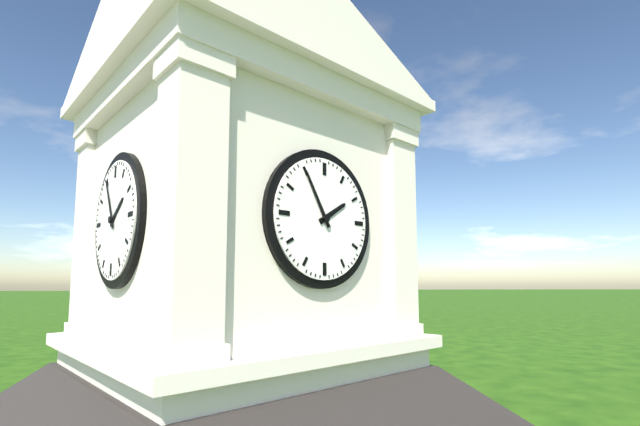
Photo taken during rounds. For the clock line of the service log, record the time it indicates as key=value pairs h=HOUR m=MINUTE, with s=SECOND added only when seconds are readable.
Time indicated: h=1 m=55
